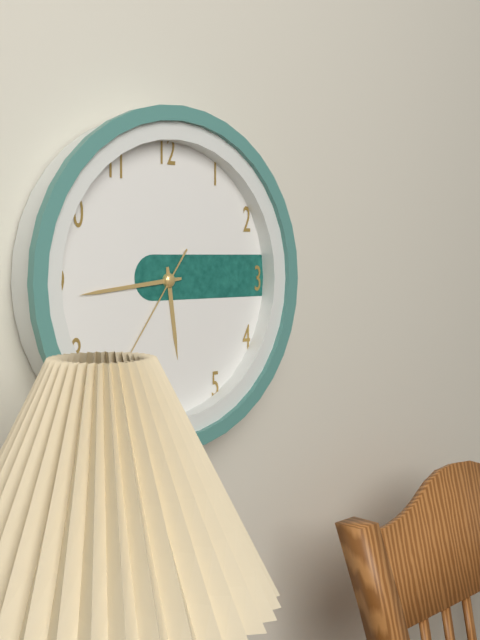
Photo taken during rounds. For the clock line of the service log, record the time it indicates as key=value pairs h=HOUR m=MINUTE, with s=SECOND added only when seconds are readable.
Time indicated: h=5 m=44 s=36
